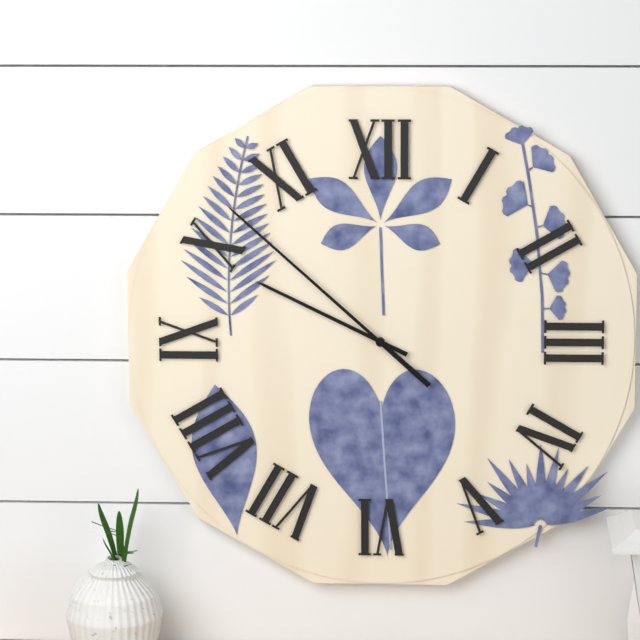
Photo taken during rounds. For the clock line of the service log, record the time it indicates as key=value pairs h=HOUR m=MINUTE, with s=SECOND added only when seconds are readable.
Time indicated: h=9 m=52
